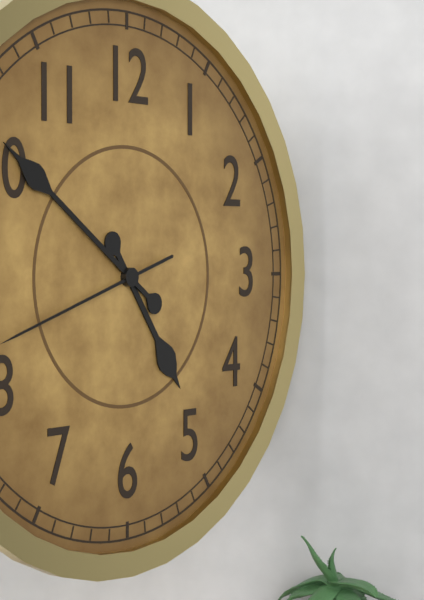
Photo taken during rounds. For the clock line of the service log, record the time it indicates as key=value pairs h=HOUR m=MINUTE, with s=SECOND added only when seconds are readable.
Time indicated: h=4 m=51
